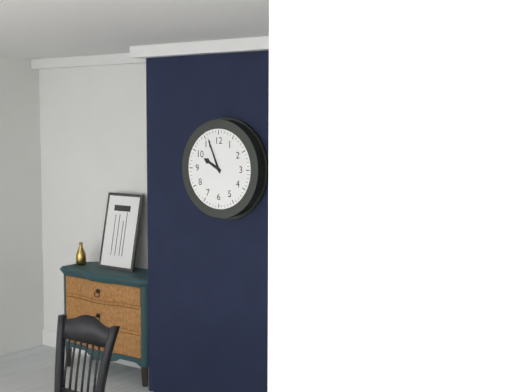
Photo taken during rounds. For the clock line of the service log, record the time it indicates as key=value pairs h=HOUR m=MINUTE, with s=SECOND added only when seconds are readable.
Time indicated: h=9 m=56
